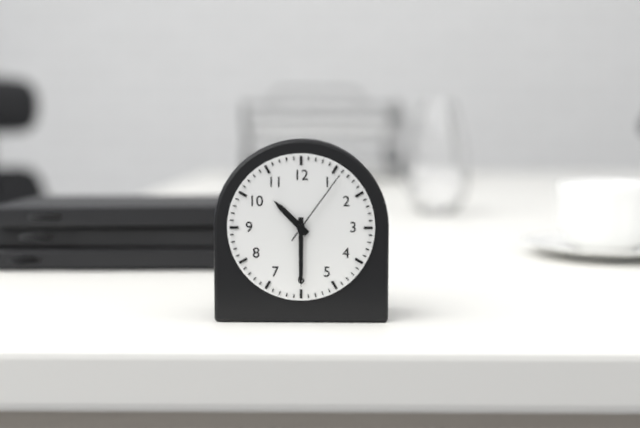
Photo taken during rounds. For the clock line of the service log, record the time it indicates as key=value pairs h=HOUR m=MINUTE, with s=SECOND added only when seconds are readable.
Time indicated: h=10 m=30 s=6
